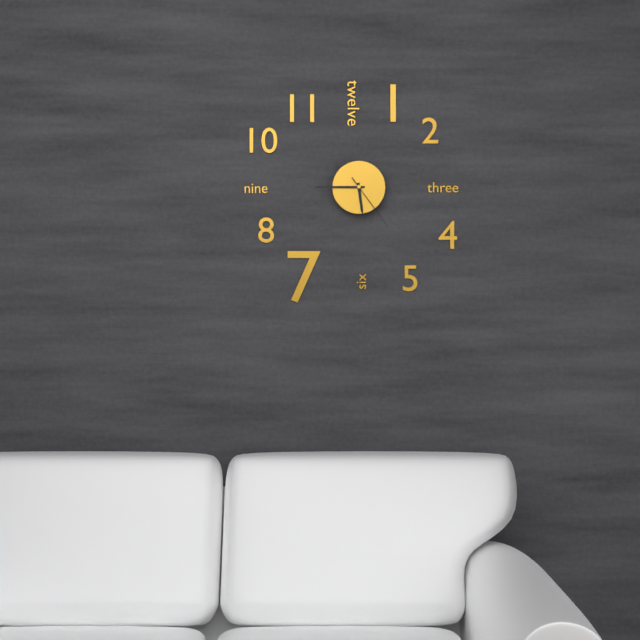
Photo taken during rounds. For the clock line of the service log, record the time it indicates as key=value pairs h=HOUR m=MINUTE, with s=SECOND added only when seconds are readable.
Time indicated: h=5 m=45 s=24
